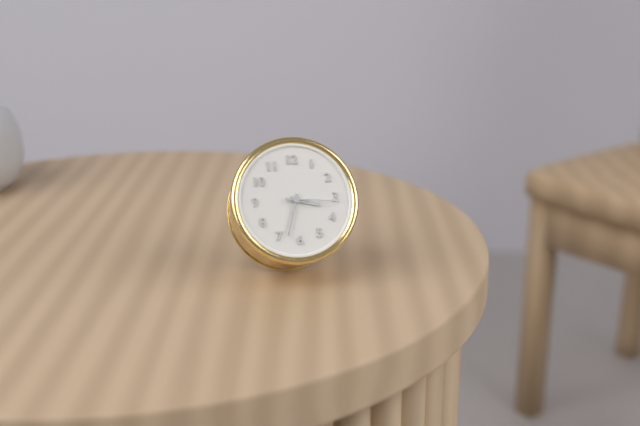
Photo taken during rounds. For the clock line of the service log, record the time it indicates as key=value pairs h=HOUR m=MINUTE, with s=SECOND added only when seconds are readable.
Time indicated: h=3 m=33 s=16
